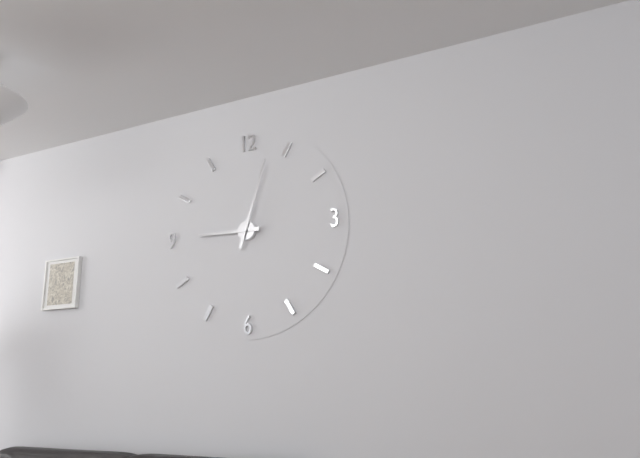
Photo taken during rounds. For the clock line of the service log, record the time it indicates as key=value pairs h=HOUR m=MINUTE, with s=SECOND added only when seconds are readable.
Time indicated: h=9 m=3
